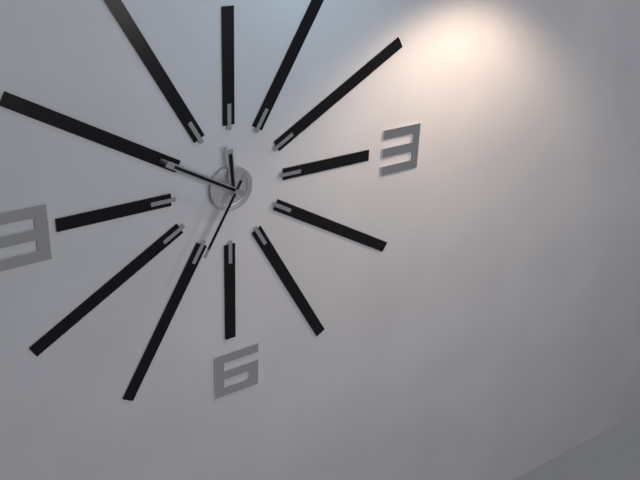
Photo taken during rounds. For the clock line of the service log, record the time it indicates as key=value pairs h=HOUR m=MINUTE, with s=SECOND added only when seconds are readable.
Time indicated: h=11 m=50 s=35
